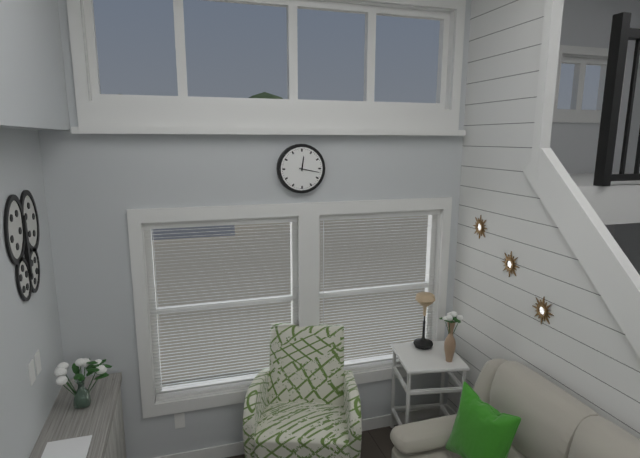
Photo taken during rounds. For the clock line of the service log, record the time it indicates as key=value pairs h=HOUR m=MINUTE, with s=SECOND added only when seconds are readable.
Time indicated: h=12 m=17
